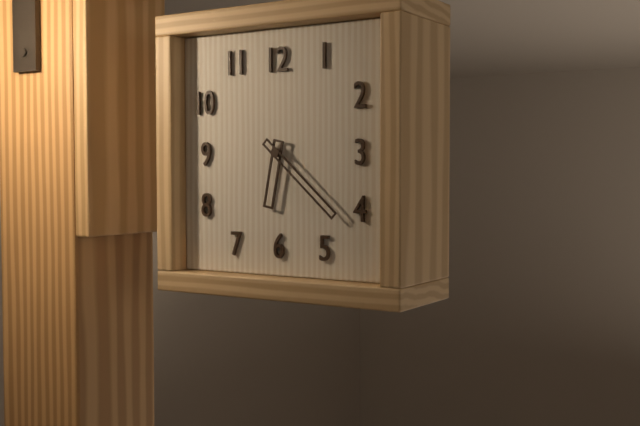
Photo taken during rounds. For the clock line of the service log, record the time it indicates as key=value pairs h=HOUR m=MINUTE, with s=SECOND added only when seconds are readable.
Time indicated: h=6 m=22
